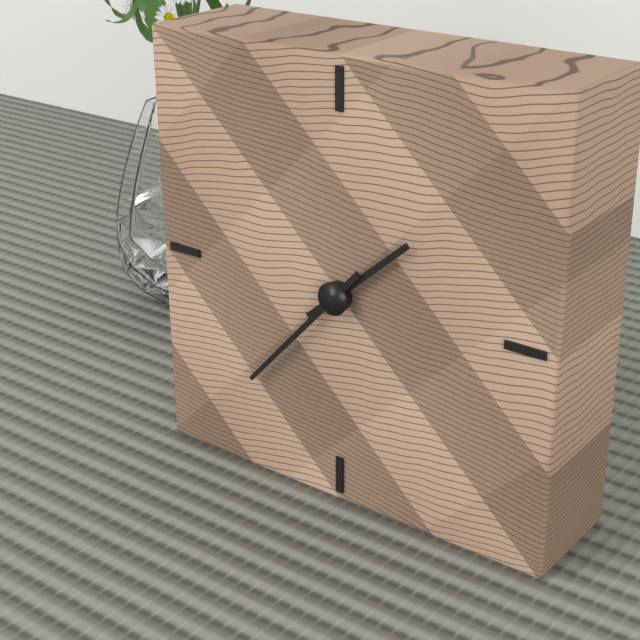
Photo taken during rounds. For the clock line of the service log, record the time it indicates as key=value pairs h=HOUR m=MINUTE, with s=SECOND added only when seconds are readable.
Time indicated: h=1 m=37
